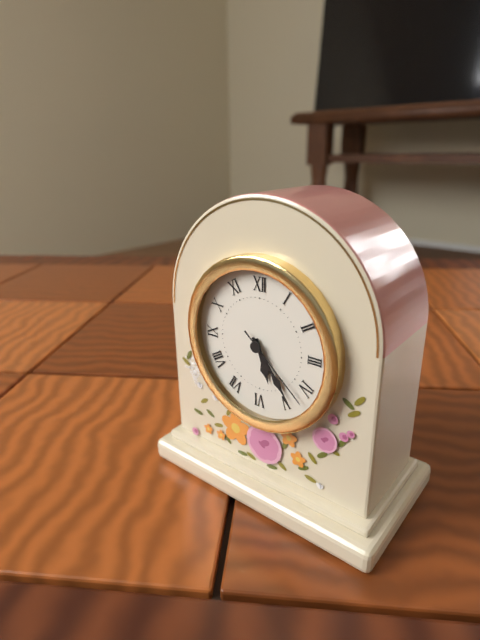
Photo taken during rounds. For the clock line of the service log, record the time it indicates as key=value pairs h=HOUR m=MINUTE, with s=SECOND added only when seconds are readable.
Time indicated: h=5 m=24 s=22
